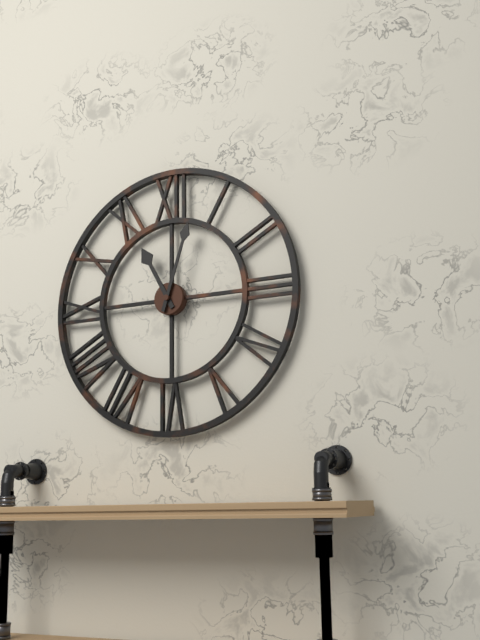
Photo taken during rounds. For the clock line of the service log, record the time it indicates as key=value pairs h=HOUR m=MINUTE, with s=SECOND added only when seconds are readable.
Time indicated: h=11 m=3
